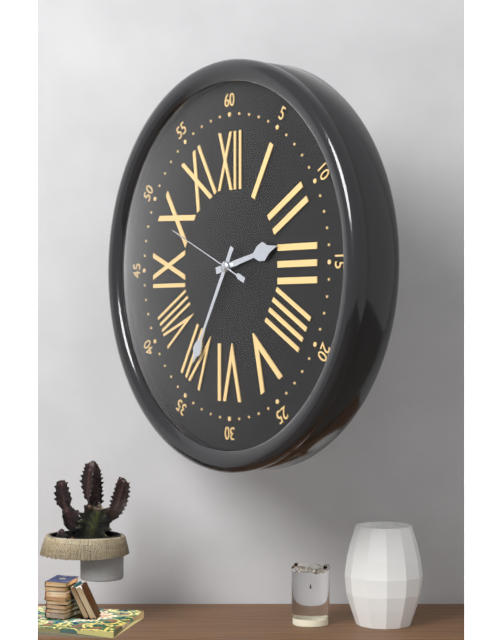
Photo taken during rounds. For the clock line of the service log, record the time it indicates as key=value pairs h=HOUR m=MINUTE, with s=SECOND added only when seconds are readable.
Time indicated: h=2 m=35 s=49
